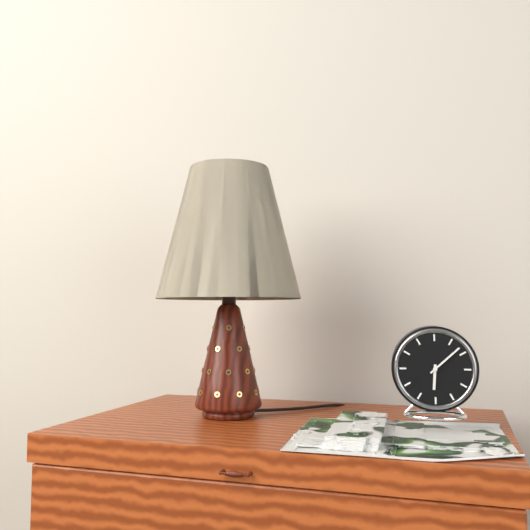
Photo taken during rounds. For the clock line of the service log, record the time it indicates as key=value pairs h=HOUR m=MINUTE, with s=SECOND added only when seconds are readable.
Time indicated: h=6 m=8
